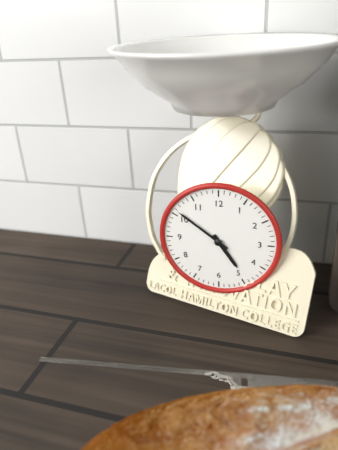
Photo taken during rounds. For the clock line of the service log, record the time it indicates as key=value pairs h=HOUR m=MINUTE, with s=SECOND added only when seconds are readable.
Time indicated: h=4 m=51
